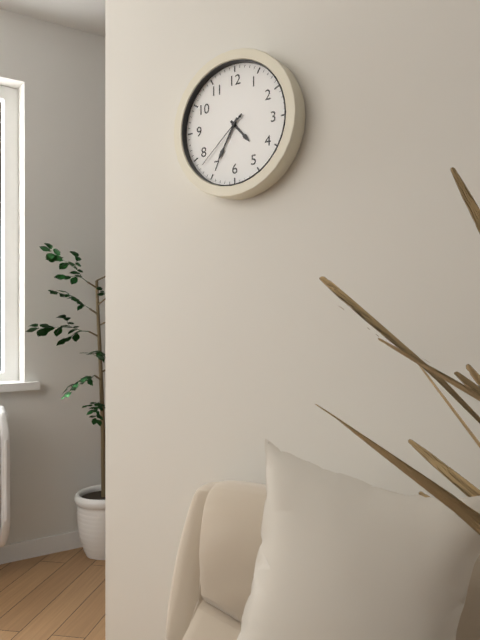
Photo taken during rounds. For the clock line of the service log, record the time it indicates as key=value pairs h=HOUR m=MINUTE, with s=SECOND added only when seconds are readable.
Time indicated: h=4 m=35 s=38
